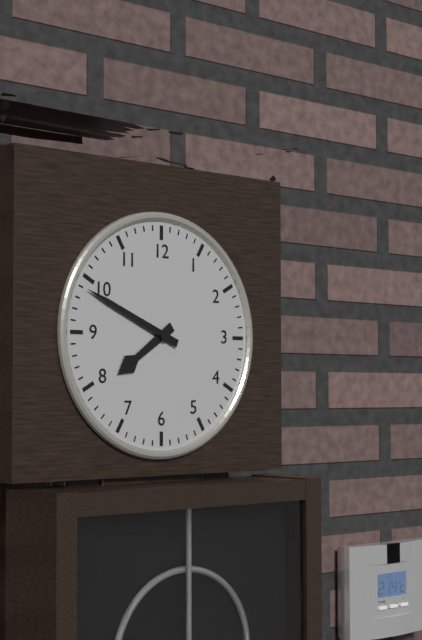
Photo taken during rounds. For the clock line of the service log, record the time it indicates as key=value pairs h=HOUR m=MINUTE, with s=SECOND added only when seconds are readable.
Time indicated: h=7 m=49
